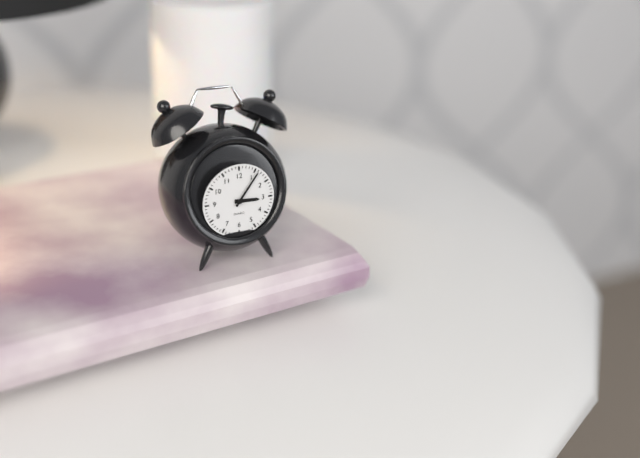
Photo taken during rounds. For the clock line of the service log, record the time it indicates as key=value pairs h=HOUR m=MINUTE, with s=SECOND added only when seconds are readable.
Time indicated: h=3 m=6
